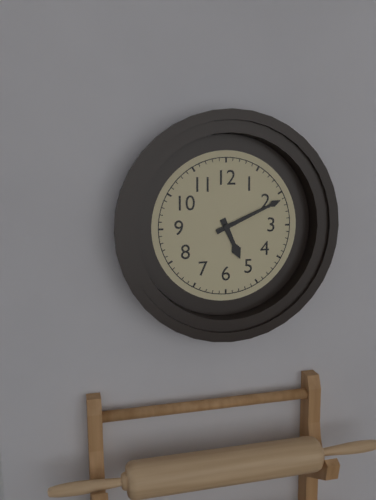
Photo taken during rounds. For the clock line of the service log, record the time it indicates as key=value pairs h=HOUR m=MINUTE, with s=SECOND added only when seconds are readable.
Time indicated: h=5 m=11
